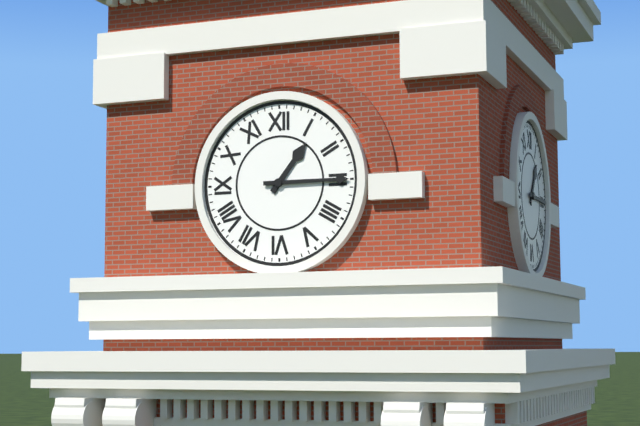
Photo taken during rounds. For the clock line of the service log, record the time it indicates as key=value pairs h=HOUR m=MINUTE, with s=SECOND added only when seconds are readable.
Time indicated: h=1 m=15
